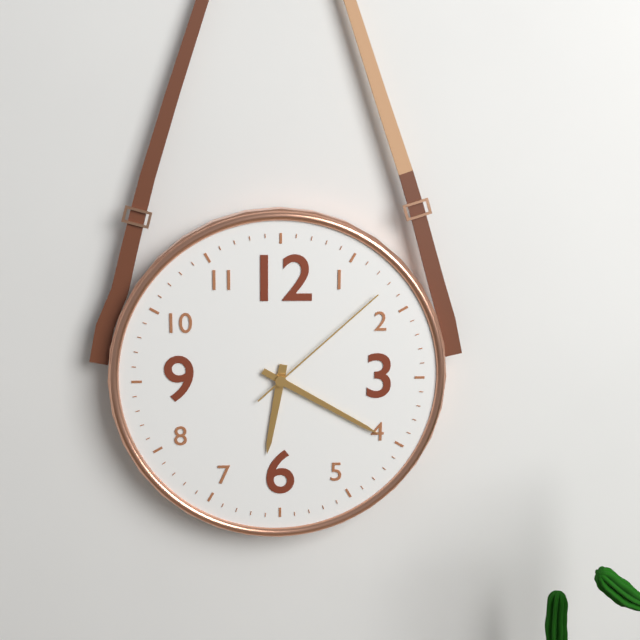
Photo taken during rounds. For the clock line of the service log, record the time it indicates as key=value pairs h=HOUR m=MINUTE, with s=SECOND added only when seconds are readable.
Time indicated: h=6 m=20 s=8
